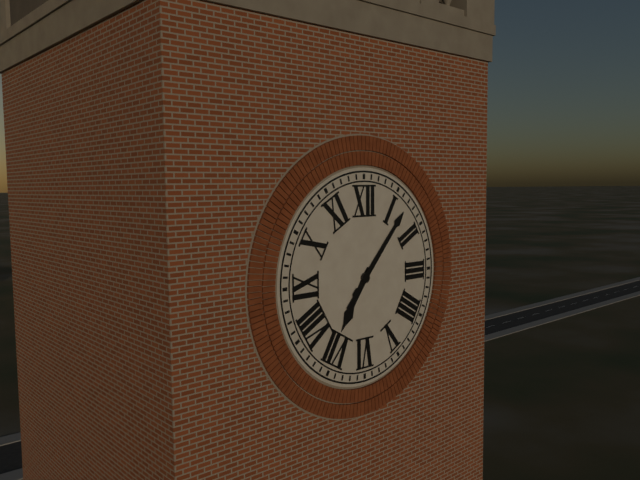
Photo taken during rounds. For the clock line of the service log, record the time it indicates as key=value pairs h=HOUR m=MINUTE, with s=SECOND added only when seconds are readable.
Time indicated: h=7 m=7
